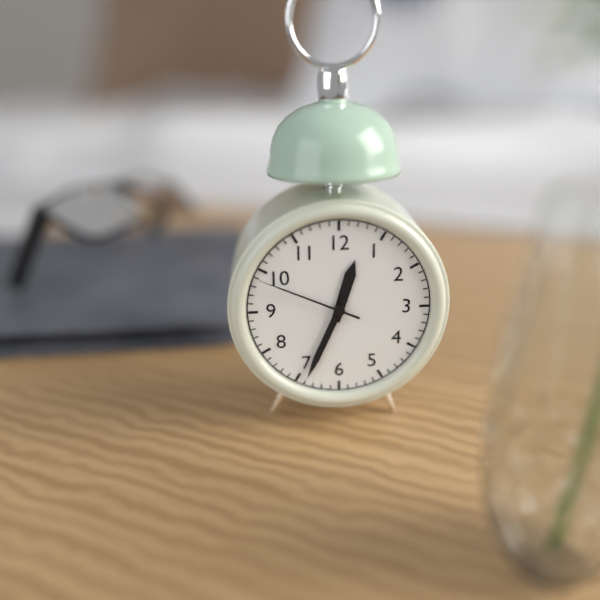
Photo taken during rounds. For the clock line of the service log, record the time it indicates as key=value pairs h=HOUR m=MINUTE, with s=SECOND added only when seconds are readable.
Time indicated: h=12 m=34 s=49
